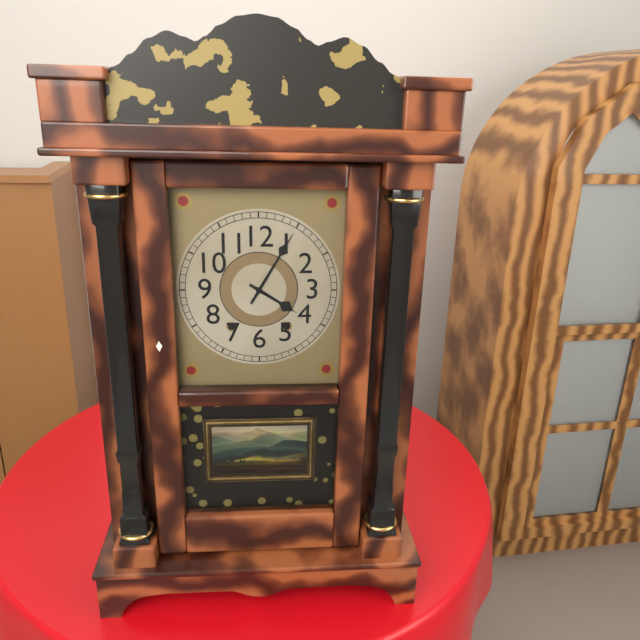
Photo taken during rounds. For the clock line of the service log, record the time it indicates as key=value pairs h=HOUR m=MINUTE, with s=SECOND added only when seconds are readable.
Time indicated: h=4 m=5
